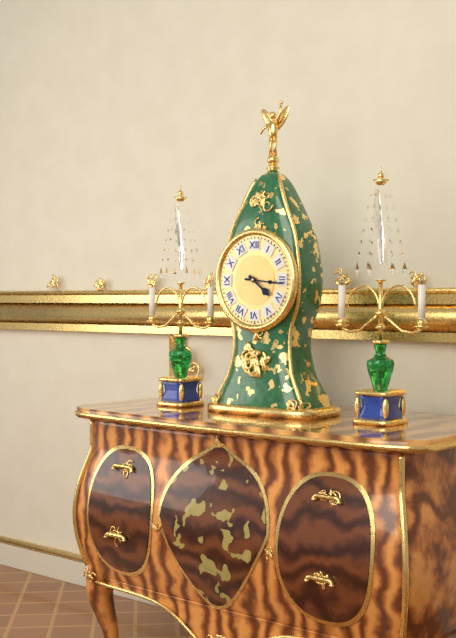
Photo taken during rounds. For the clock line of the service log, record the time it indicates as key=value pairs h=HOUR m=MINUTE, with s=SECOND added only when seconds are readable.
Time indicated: h=4 m=16
